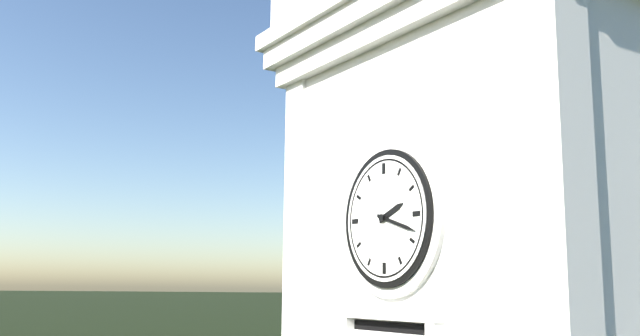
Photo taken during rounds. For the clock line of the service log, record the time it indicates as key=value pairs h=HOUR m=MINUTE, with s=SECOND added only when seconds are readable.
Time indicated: h=2 m=18
